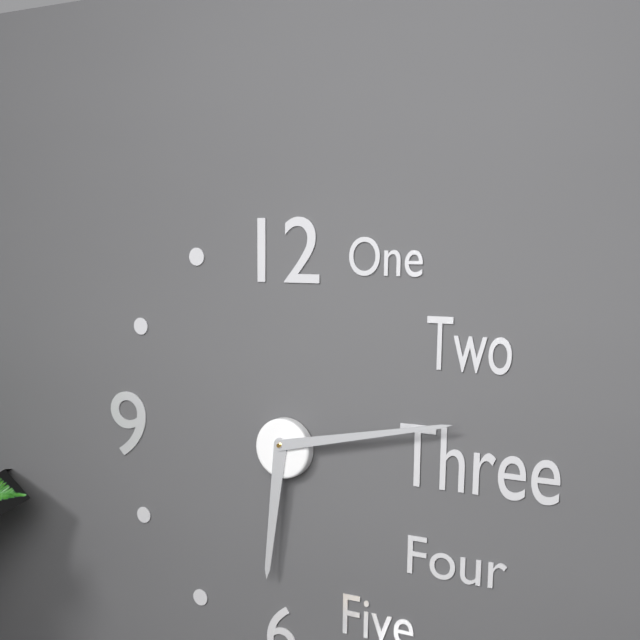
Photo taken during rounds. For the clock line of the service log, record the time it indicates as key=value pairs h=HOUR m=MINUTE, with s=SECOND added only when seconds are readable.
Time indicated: h=6 m=13
